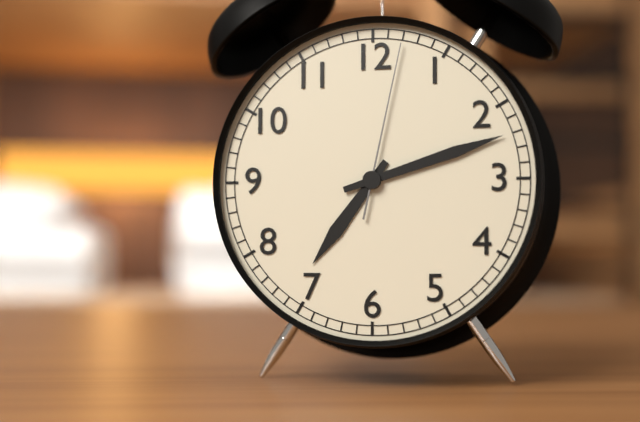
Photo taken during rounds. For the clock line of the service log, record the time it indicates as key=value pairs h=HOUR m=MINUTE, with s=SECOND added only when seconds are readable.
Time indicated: h=7 m=12 s=2
